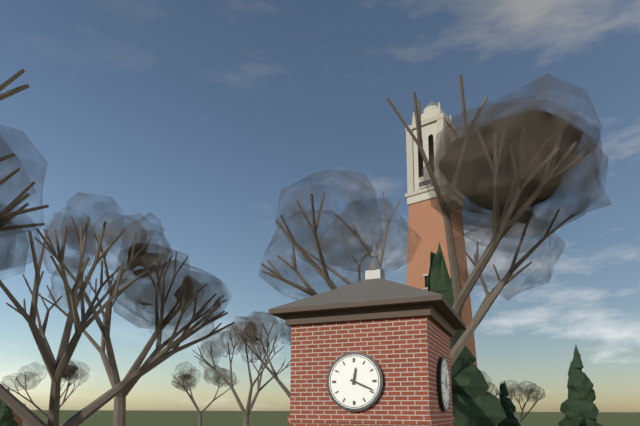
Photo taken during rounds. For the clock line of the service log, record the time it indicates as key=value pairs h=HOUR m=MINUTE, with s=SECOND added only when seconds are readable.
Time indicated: h=12 m=19
